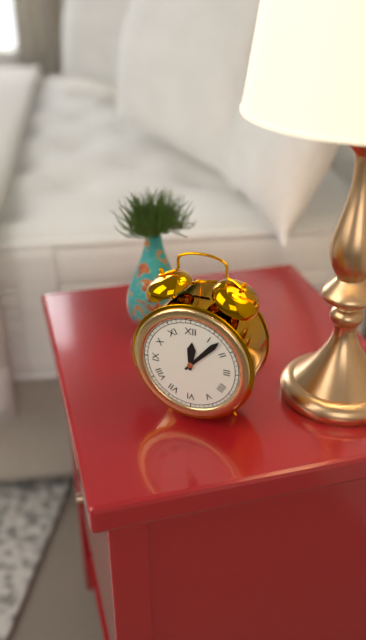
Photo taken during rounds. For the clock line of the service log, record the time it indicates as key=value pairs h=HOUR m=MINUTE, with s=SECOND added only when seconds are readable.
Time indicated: h=12 m=7
